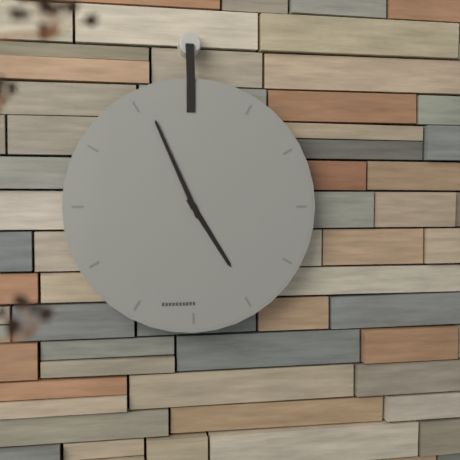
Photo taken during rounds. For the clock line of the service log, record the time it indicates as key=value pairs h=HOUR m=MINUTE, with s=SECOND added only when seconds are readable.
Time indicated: h=4 m=56
